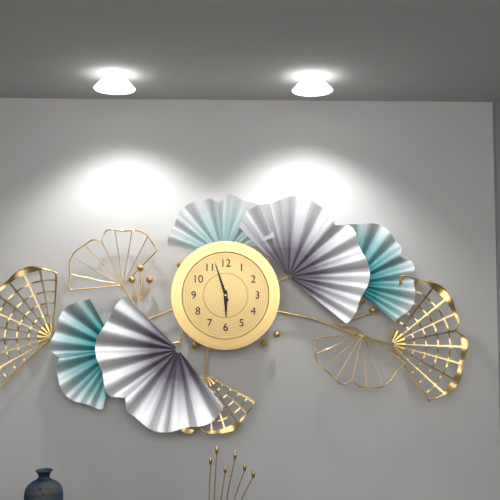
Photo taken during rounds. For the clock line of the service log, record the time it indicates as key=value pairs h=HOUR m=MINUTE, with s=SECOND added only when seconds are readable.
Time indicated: h=5 m=57
